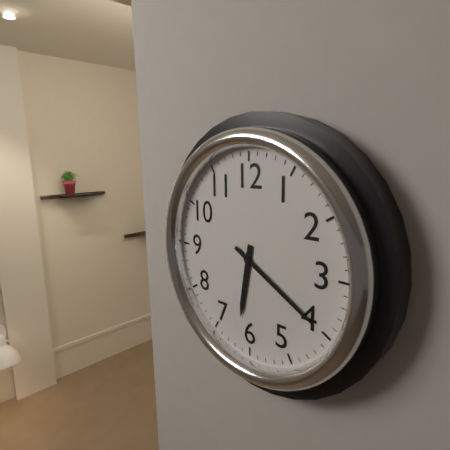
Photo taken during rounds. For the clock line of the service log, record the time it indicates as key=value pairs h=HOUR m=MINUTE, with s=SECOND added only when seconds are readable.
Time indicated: h=6 m=20
